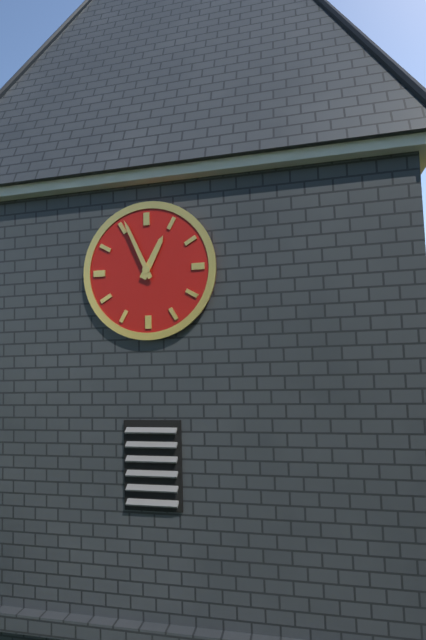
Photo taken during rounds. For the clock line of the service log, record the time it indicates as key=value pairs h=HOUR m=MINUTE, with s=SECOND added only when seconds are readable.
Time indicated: h=12 m=56
